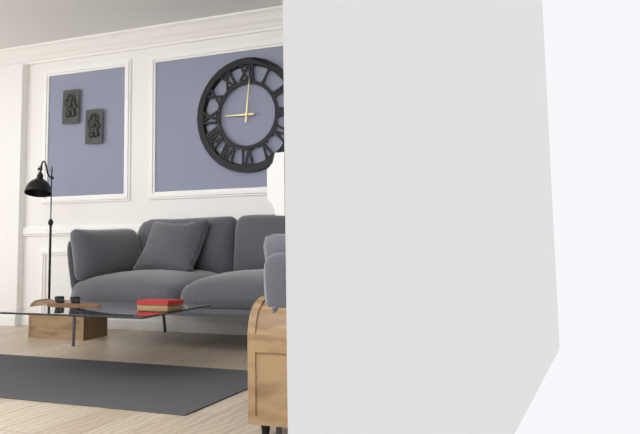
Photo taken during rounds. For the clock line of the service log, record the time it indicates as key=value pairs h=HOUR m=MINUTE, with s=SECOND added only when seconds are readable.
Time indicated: h=9 m=1
